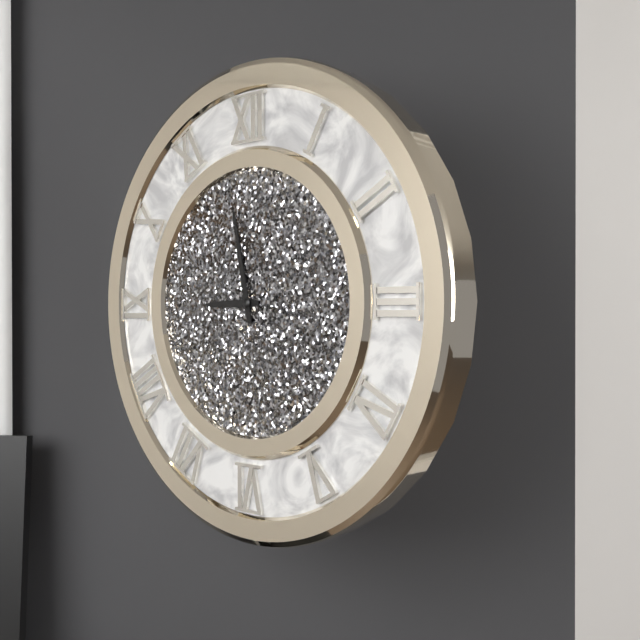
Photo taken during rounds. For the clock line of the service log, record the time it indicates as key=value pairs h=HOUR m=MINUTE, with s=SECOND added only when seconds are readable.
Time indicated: h=8 m=58
